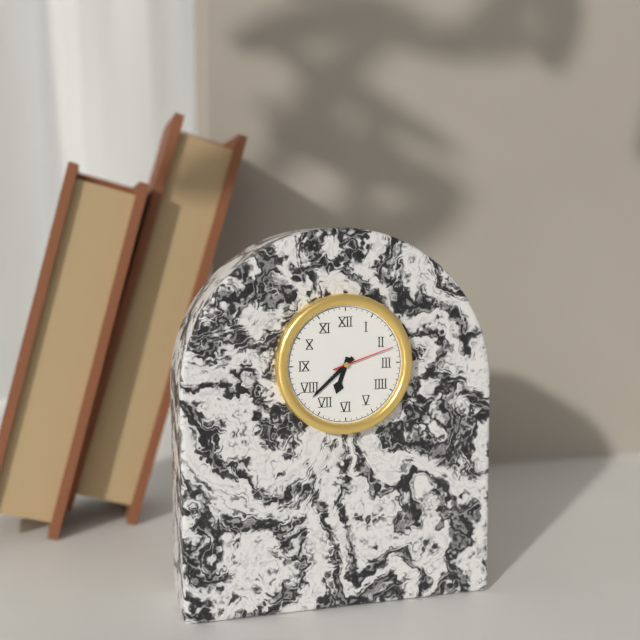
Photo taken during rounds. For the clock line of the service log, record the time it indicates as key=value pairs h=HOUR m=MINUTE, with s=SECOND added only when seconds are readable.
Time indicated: h=6 m=38 s=12
